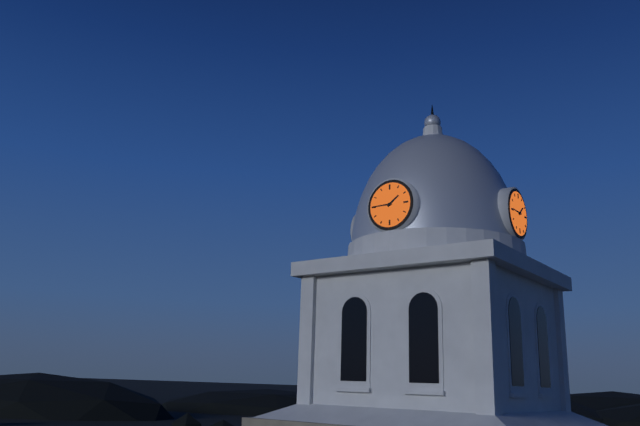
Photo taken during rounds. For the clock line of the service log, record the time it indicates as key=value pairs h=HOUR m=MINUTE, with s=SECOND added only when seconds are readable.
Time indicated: h=1 m=45
